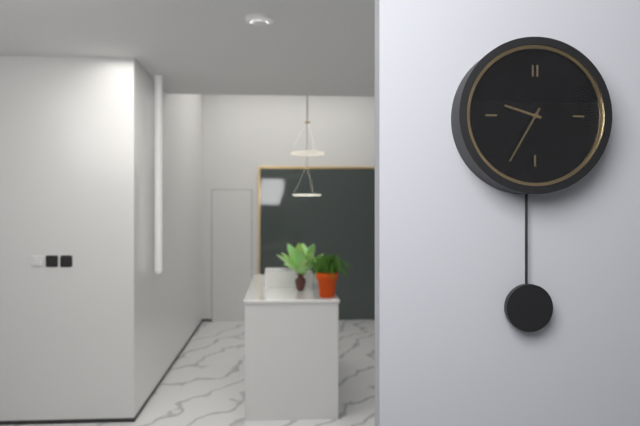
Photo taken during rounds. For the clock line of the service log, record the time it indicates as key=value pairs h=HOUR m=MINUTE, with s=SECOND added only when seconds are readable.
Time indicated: h=9 m=35
